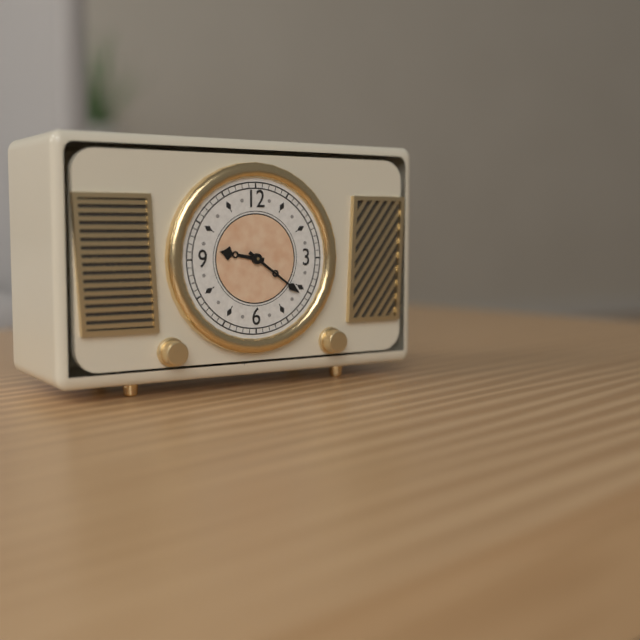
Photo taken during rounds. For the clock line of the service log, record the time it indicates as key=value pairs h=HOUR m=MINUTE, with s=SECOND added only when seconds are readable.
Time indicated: h=9 m=21
